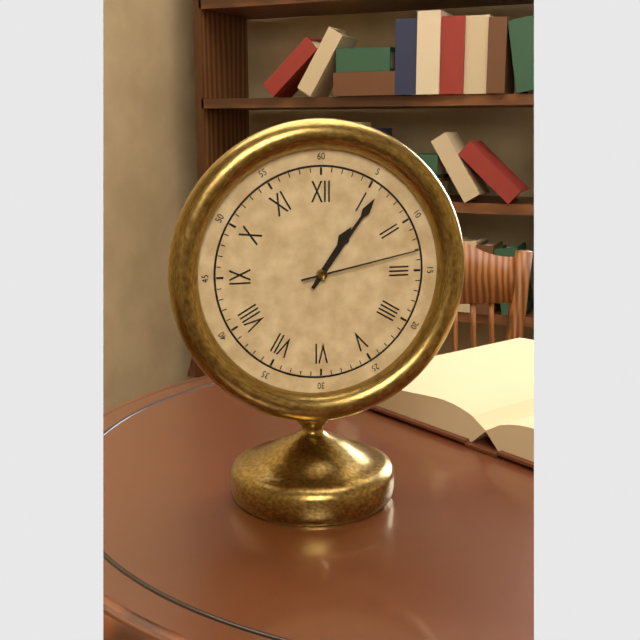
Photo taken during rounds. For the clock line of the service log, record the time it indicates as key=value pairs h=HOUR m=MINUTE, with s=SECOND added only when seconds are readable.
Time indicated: h=1 m=6 s=13
